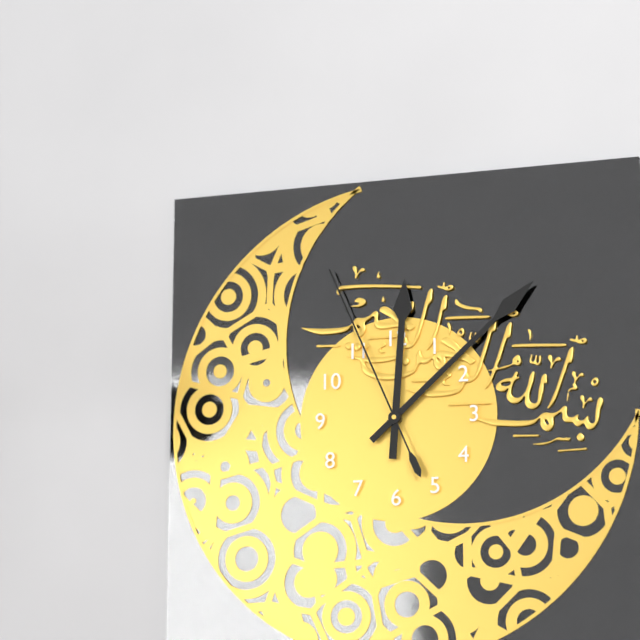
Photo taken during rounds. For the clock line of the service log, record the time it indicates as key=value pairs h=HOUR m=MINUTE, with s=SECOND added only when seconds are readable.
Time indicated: h=12 m=8 s=56
